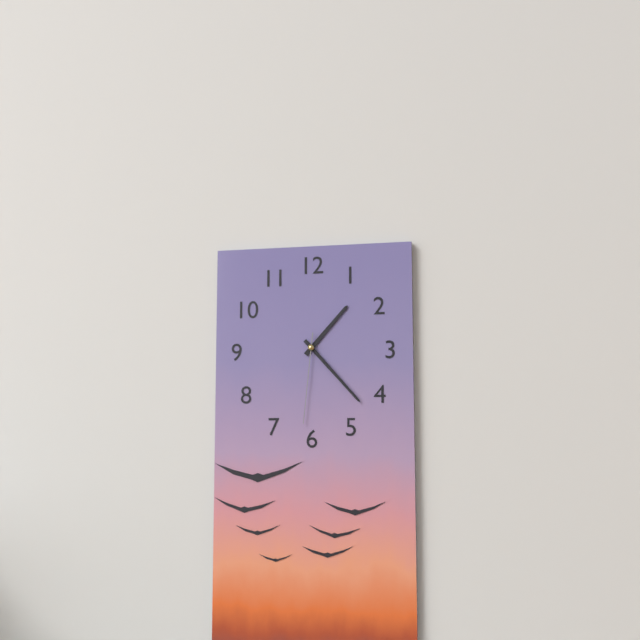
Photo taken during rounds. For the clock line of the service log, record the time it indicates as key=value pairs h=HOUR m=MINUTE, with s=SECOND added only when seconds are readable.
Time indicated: h=1 m=23 s=31
